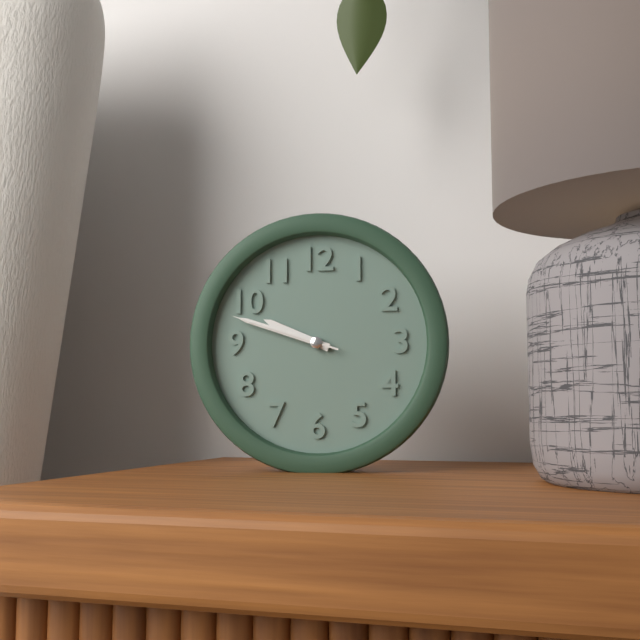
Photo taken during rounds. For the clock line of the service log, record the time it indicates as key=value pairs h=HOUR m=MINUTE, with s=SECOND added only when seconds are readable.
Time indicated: h=9 m=48 s=48
